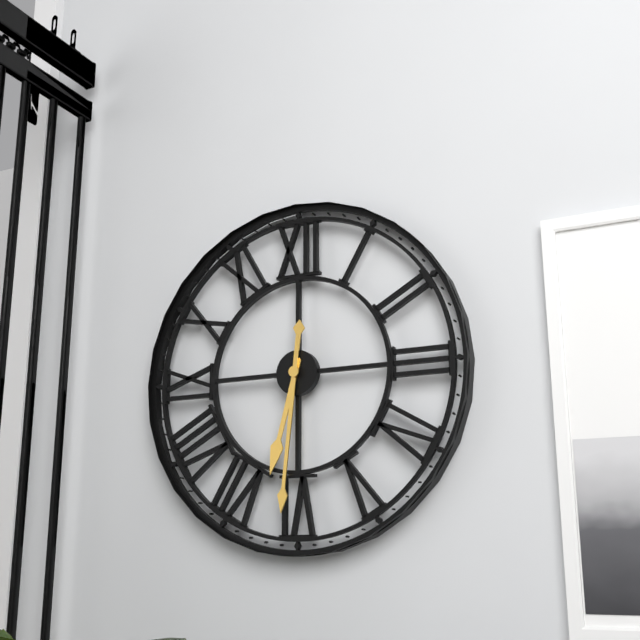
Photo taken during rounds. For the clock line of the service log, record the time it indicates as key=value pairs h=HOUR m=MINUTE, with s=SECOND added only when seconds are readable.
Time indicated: h=6 m=31
